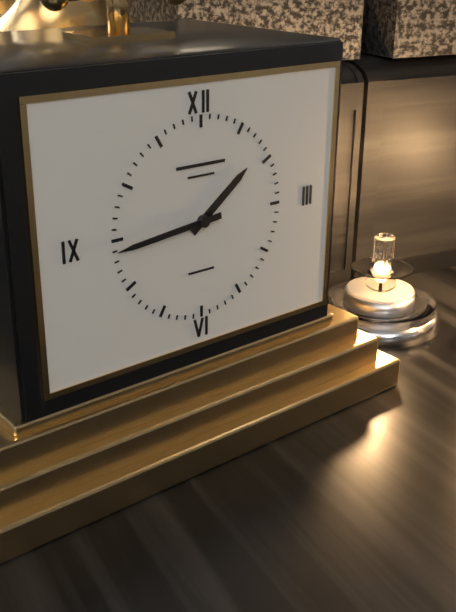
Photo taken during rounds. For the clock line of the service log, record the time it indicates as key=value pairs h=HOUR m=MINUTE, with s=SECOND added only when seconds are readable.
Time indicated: h=1 m=44
